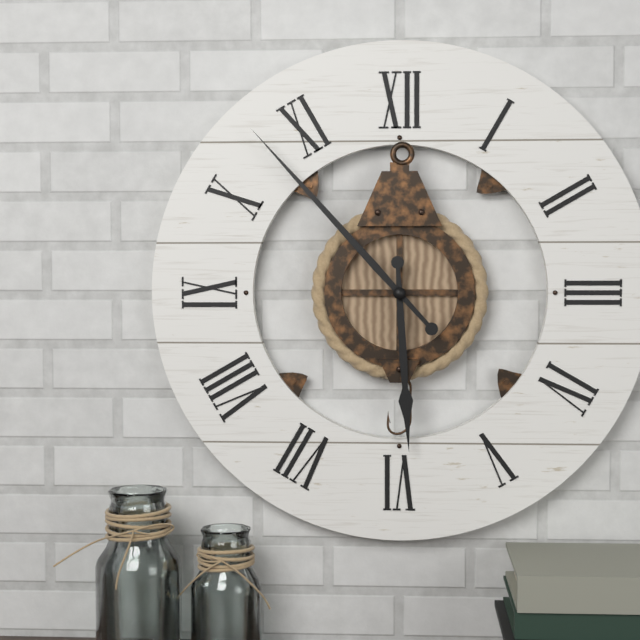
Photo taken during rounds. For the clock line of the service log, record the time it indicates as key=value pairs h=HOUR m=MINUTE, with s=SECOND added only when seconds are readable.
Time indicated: h=5 m=53
